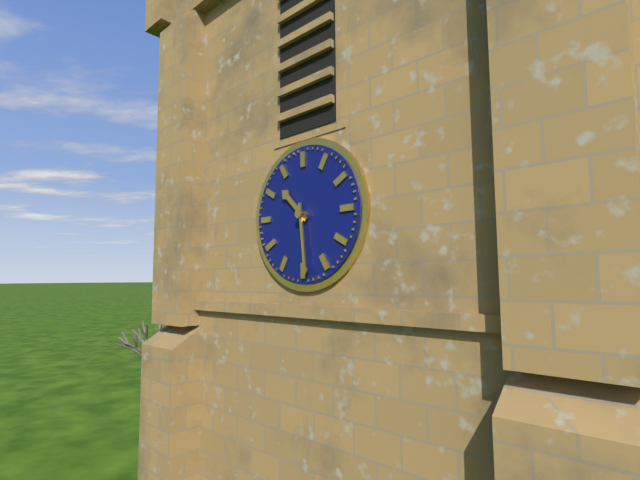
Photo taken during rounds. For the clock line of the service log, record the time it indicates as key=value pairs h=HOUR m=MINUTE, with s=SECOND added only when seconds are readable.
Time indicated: h=10 m=29
